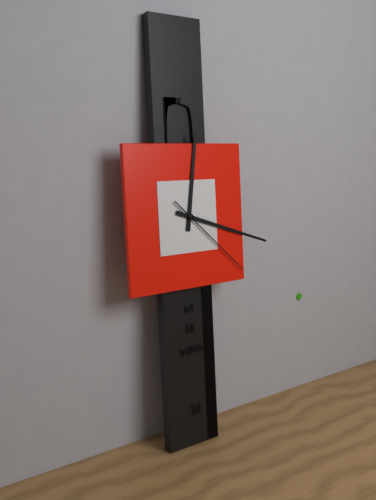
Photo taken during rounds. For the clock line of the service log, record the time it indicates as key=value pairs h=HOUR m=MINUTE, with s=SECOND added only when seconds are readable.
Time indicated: h=12 m=18 s=22
